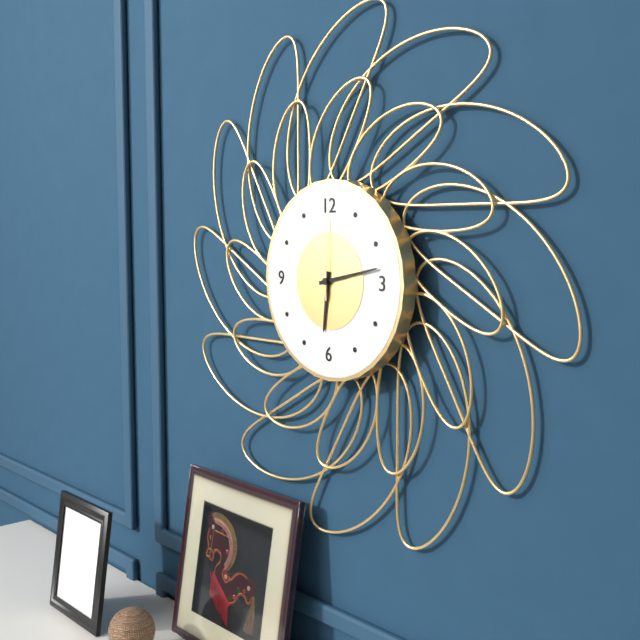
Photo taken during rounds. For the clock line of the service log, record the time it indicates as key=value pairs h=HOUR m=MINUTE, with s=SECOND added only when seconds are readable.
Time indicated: h=6 m=13 s=0
